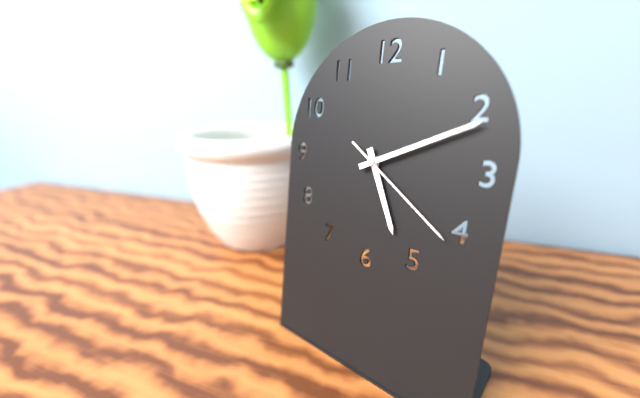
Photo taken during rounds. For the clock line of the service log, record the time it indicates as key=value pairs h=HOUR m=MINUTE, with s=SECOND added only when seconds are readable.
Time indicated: h=5 m=11 s=21
